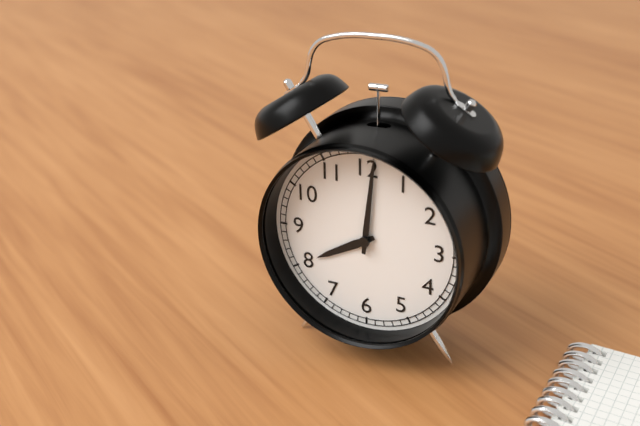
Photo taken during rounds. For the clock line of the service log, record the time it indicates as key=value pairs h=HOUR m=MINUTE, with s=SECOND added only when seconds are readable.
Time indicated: h=8 m=1
